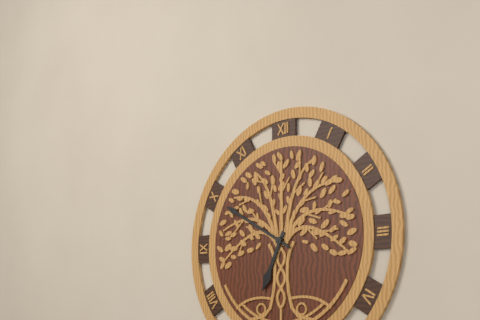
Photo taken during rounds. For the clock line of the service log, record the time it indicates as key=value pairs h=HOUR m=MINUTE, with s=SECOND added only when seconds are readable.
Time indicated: h=6 m=50
